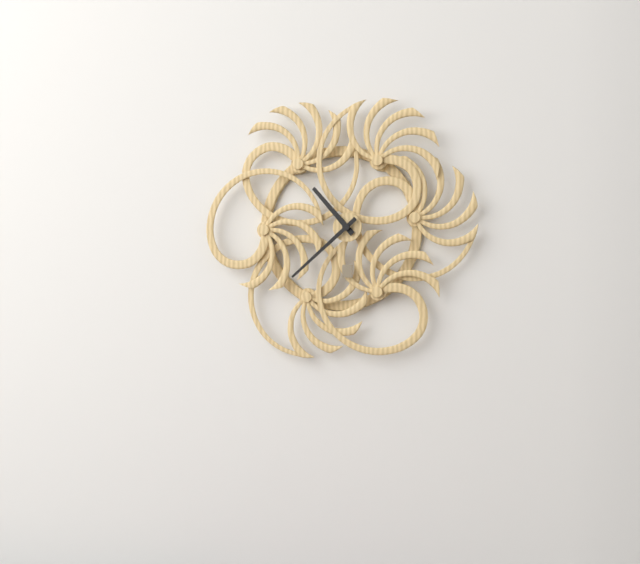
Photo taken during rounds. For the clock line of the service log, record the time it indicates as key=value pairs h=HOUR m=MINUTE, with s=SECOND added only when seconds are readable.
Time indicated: h=10 m=38
